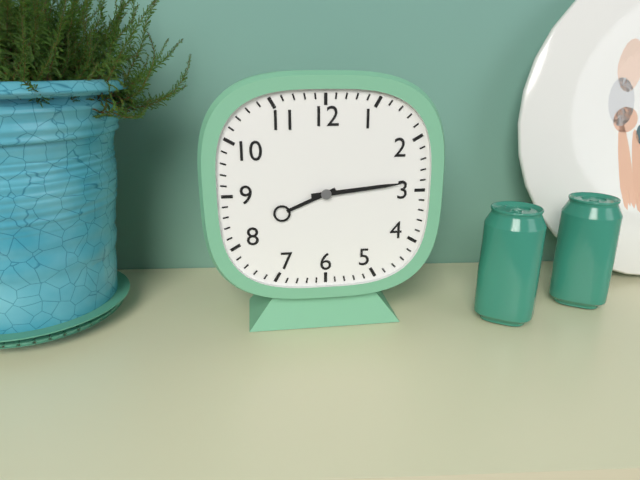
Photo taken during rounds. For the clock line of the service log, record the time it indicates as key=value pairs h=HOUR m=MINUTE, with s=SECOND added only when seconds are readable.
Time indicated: h=8 m=14
